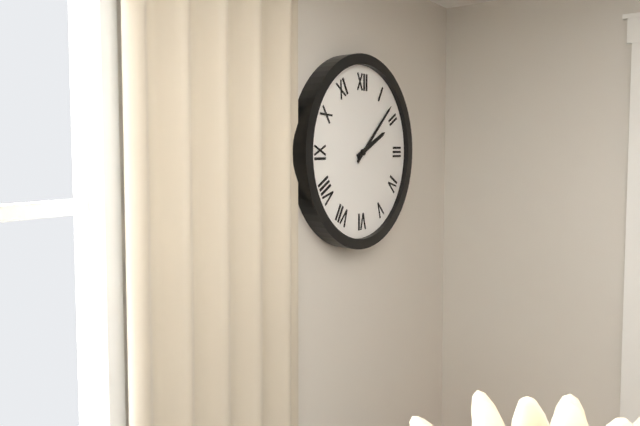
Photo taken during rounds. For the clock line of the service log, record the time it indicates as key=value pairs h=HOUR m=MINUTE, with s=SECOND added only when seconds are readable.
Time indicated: h=2 m=8
